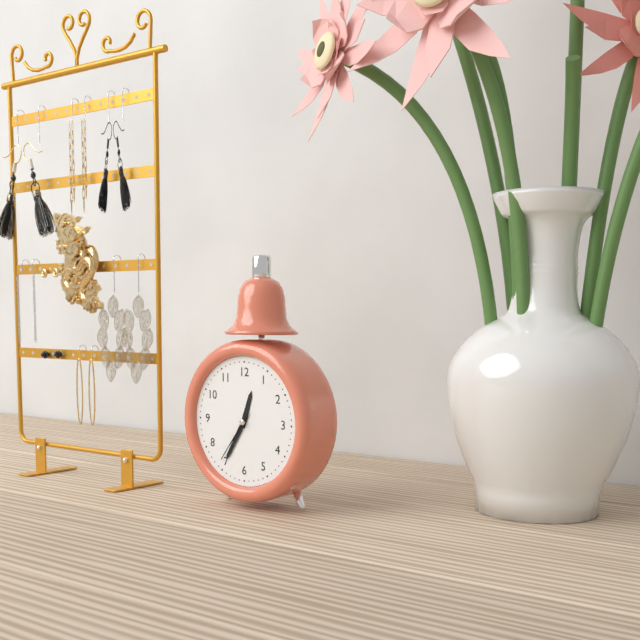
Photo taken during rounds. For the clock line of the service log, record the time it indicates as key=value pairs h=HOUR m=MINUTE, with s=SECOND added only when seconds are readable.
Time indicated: h=12 m=35 s=36
